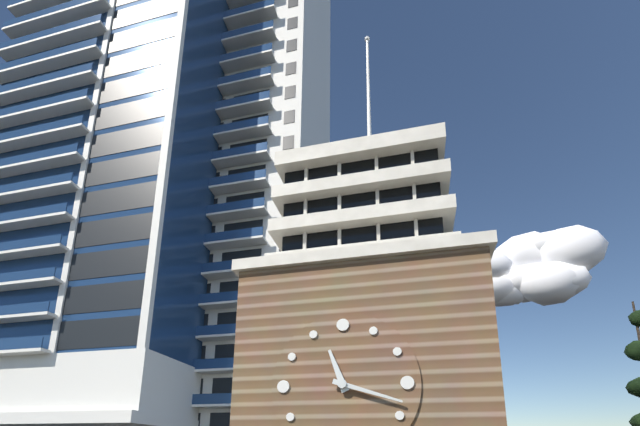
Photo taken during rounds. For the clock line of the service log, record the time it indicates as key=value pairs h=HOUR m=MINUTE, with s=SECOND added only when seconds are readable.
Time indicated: h=11 m=18
